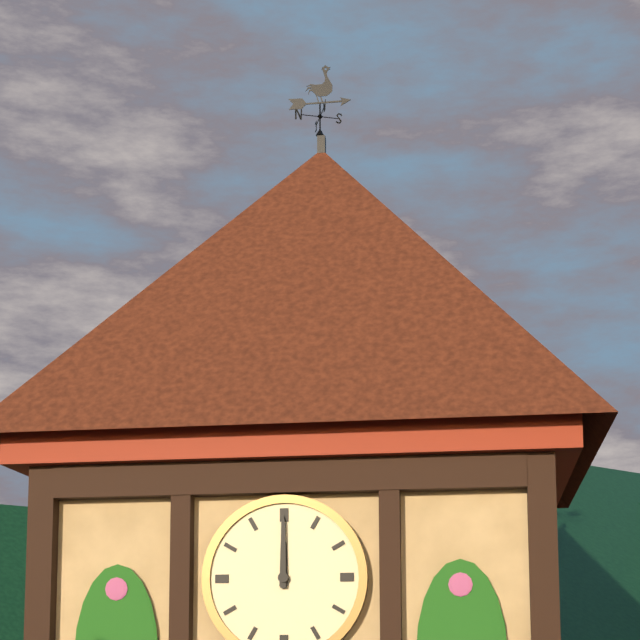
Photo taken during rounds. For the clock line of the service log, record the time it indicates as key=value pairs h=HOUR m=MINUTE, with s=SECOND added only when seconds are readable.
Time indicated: h=12 m=0
